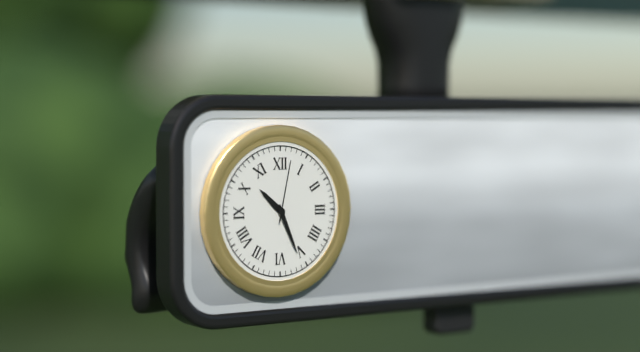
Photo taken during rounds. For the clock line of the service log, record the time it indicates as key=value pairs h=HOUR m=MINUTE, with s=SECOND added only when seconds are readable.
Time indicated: h=10 m=26 s=2
